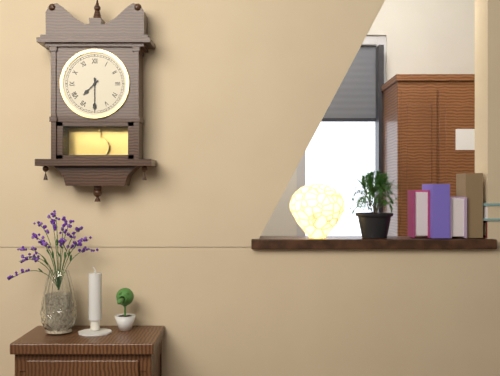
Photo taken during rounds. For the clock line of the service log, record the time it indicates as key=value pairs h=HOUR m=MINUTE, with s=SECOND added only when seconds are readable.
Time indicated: h=7 m=30
